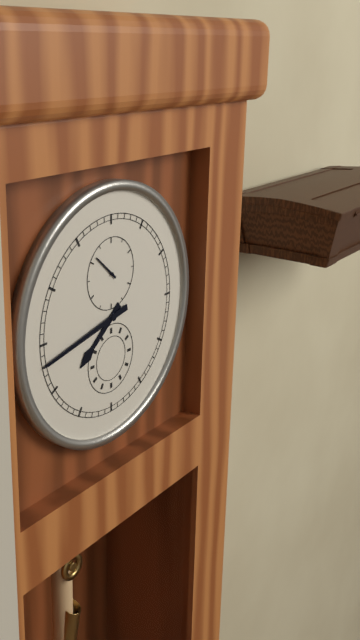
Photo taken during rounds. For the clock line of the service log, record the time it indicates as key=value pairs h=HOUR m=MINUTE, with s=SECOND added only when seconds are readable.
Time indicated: h=7 m=43
